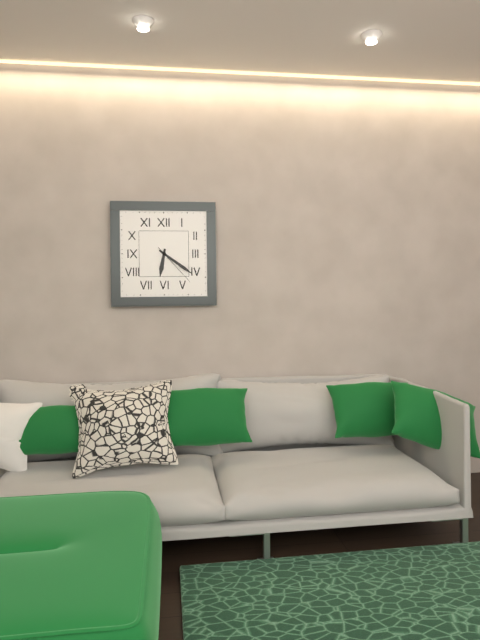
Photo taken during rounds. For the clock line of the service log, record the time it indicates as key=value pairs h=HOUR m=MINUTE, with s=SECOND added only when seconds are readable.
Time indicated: h=6 m=21
